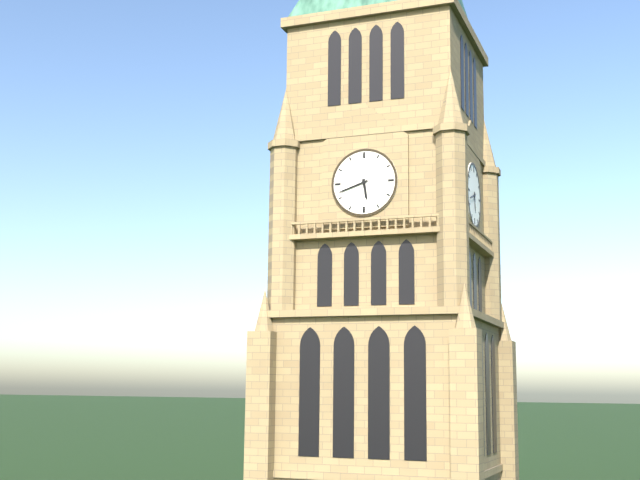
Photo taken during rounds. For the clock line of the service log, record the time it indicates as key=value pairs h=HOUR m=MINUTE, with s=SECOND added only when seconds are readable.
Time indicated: h=5 m=42
